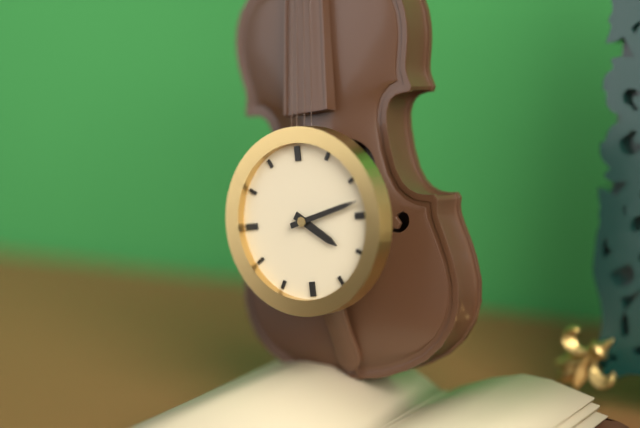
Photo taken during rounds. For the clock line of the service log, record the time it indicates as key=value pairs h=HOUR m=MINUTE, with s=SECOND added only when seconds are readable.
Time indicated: h=4 m=13
